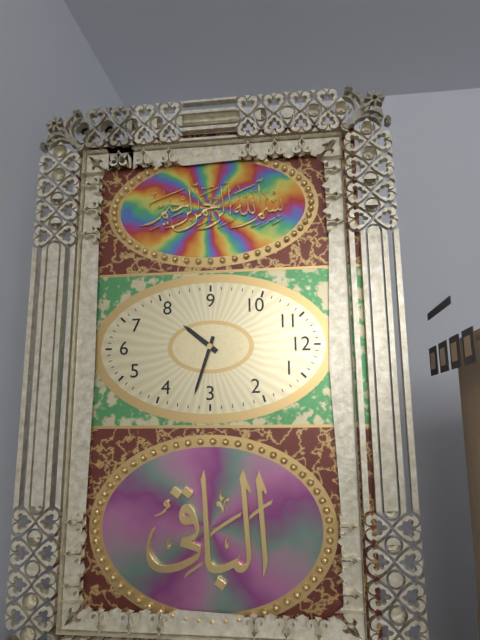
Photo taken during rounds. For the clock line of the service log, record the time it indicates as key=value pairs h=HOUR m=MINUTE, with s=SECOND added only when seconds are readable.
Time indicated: h=7 m=18
